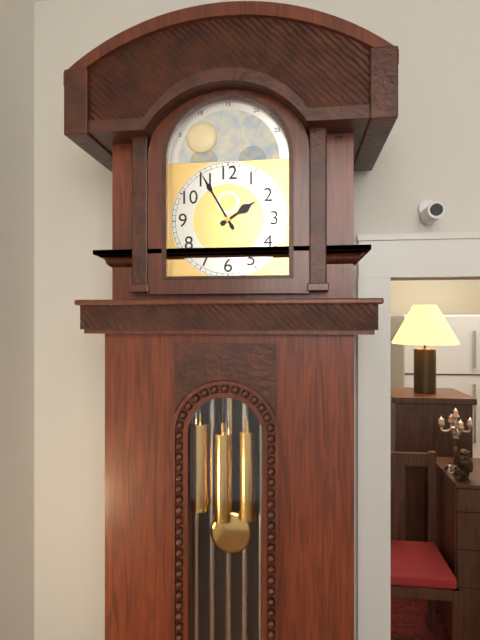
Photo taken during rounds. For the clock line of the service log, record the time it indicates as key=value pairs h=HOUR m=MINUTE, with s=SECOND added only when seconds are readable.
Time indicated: h=1 m=55
